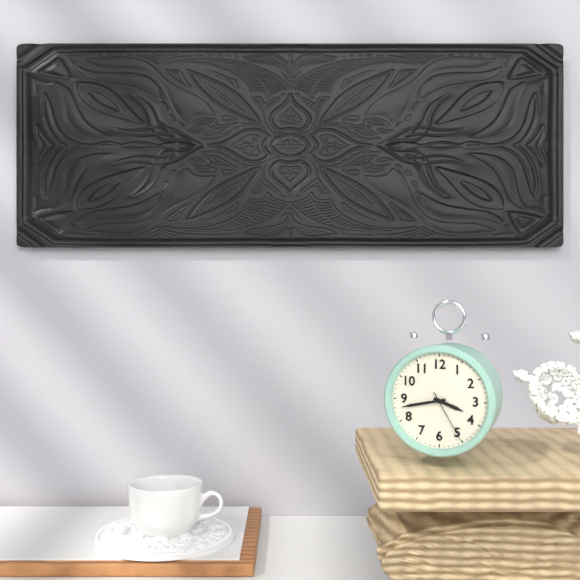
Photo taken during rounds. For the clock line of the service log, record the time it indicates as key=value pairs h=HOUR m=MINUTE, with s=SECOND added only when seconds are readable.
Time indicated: h=3 m=43 s=25
